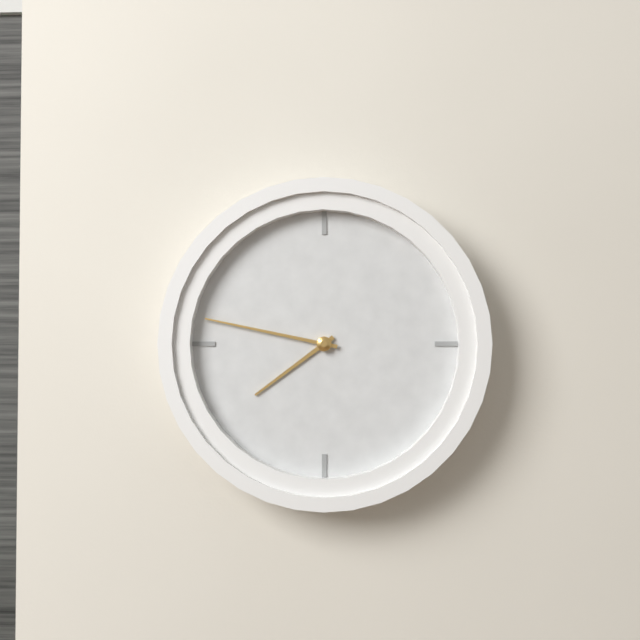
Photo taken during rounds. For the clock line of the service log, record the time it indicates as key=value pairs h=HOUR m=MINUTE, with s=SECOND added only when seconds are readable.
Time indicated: h=7 m=47
